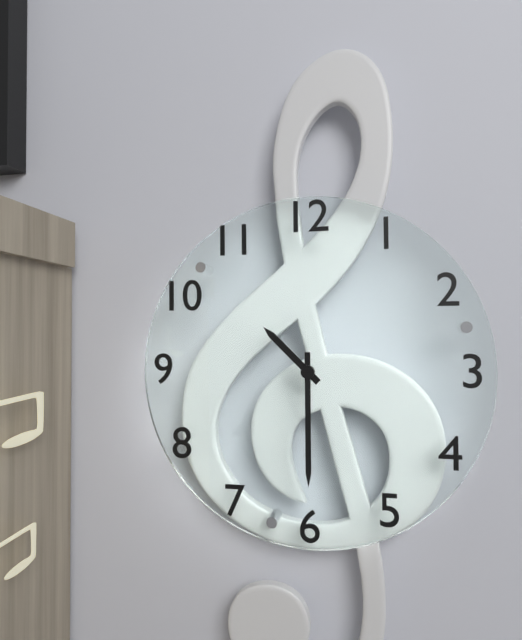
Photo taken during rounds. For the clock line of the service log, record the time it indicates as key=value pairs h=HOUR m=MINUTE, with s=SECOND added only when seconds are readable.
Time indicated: h=10 m=30
